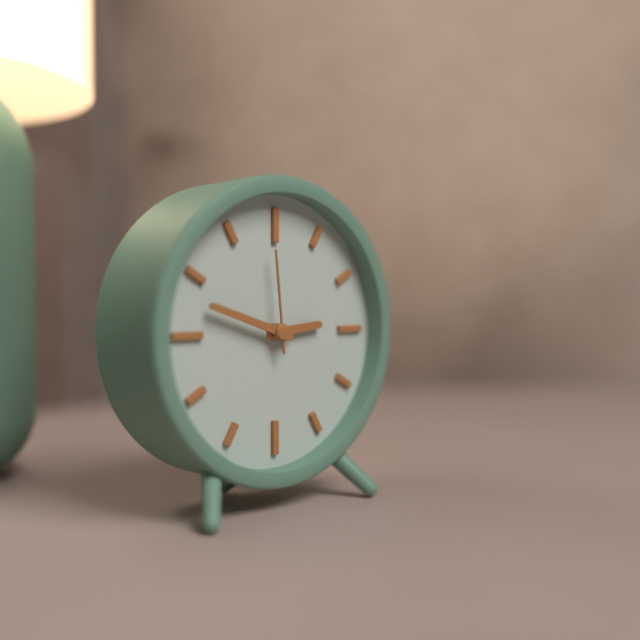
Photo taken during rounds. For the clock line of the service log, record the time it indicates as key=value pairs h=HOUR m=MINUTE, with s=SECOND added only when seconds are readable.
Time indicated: h=2 m=48 s=59
